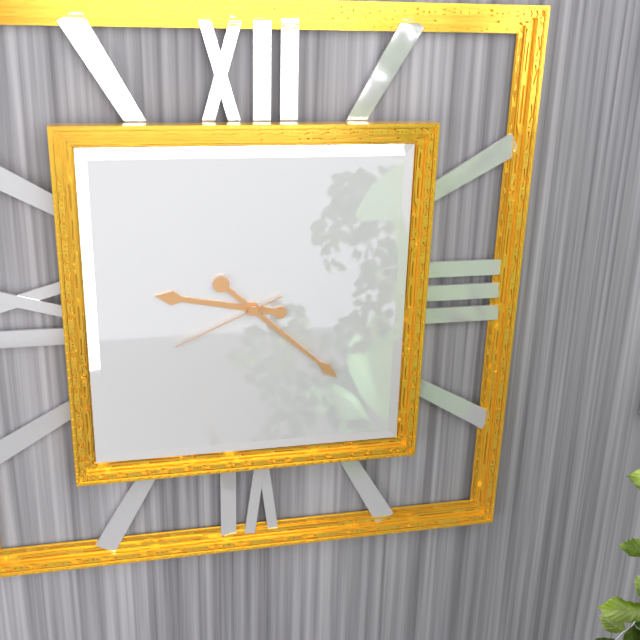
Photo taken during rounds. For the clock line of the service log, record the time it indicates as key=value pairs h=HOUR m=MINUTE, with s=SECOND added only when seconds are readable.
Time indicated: h=9 m=22 s=41
